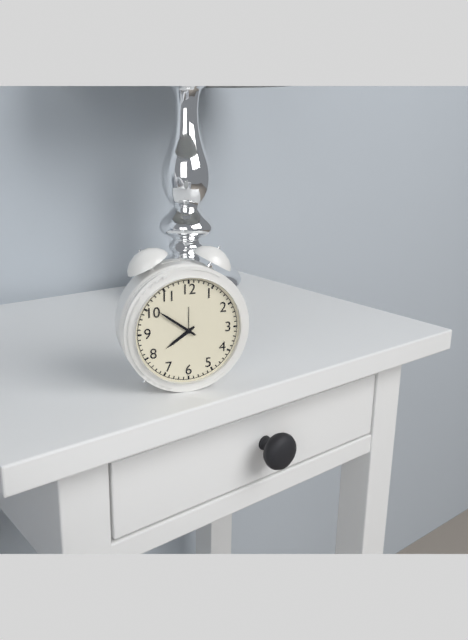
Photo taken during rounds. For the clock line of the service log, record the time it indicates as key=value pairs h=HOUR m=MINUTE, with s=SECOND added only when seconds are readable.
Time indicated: h=7 m=51
